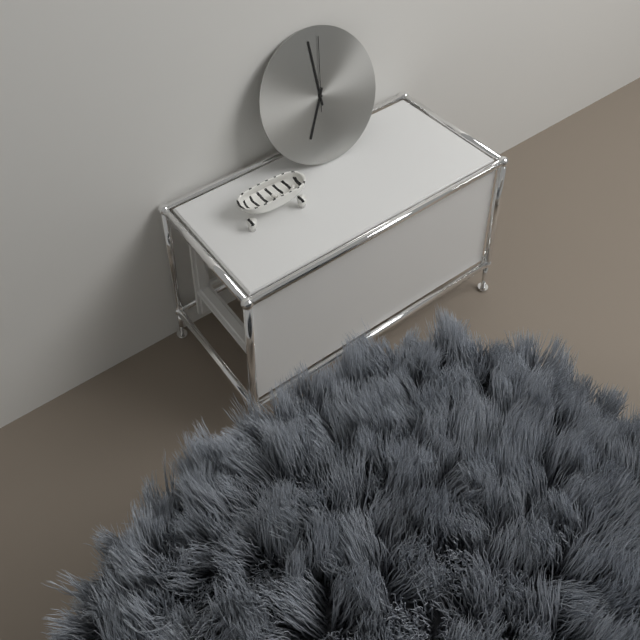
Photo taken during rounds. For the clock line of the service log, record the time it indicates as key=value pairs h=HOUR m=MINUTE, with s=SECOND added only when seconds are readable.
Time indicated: h=7 m=0 s=2
